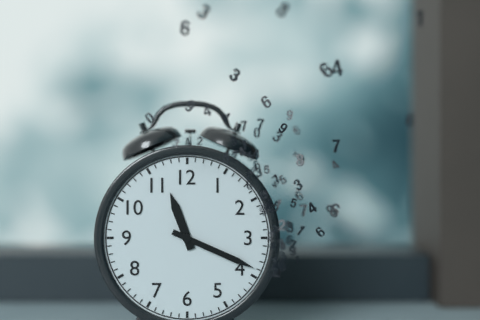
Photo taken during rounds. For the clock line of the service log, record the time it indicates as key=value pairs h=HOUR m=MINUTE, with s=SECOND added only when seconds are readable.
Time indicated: h=11 m=19
